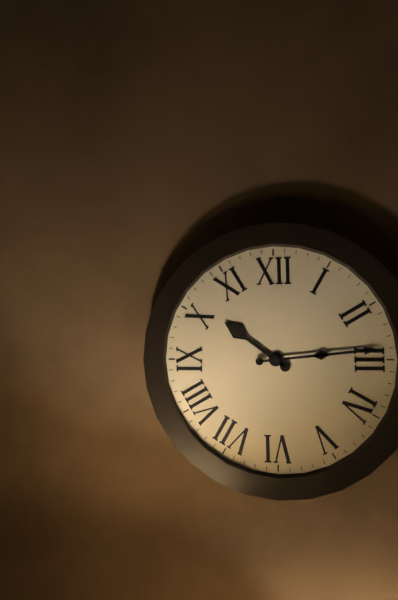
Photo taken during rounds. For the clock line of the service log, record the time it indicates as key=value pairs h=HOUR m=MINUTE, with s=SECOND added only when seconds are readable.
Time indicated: h=10 m=14
